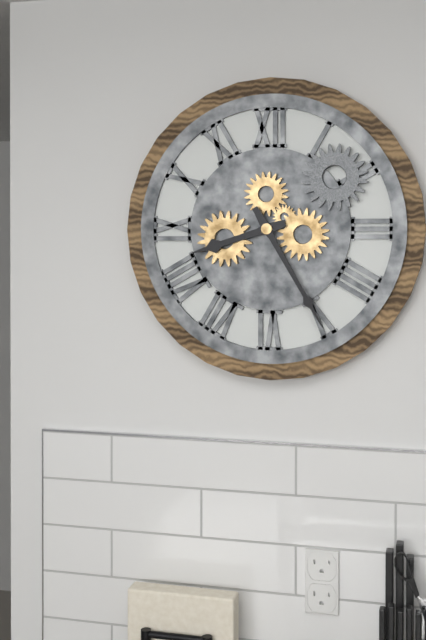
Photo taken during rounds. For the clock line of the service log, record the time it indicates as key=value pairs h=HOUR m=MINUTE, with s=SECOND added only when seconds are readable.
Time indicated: h=8 m=25
